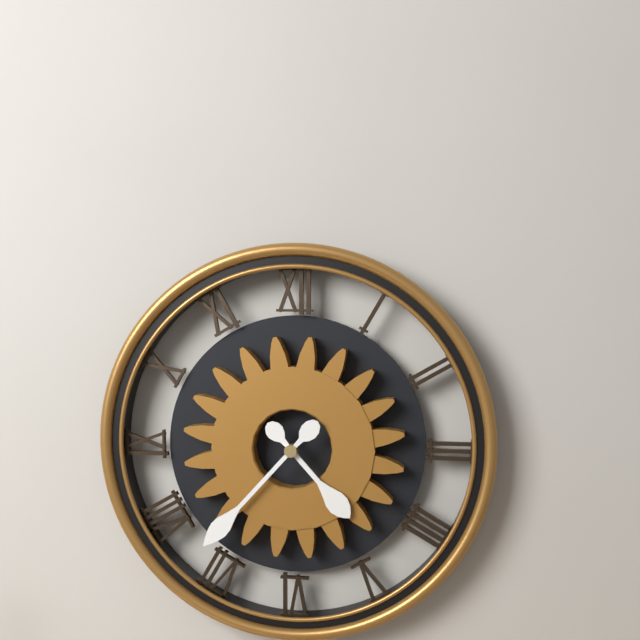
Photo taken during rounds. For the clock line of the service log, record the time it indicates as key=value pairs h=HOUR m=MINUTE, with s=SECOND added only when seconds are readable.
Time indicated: h=4 m=37
